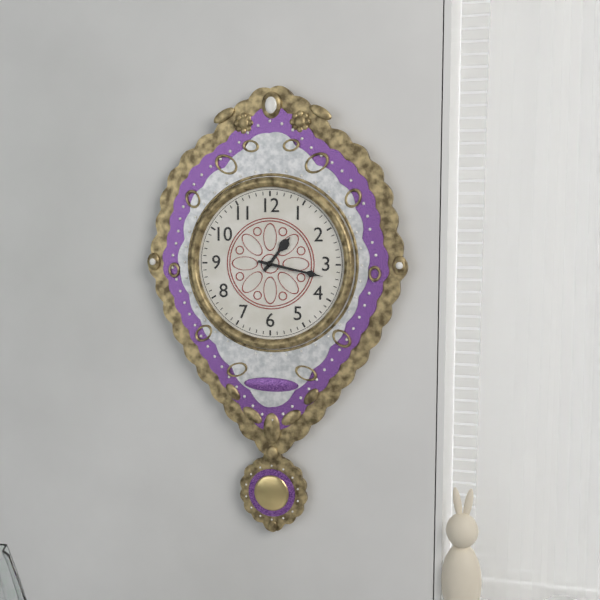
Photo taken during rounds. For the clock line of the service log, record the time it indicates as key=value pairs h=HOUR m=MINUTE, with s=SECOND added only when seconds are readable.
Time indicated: h=1 m=17
